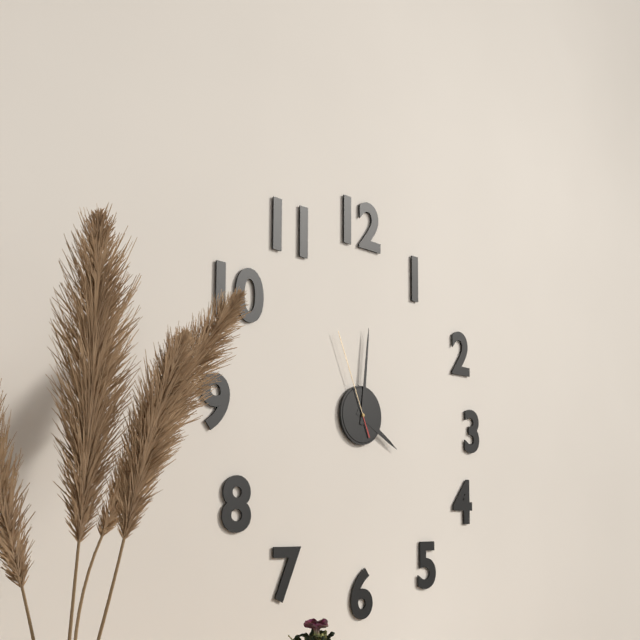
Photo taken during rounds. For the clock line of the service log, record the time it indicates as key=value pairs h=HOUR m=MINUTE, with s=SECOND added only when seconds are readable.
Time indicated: h=4 m=1 s=56
